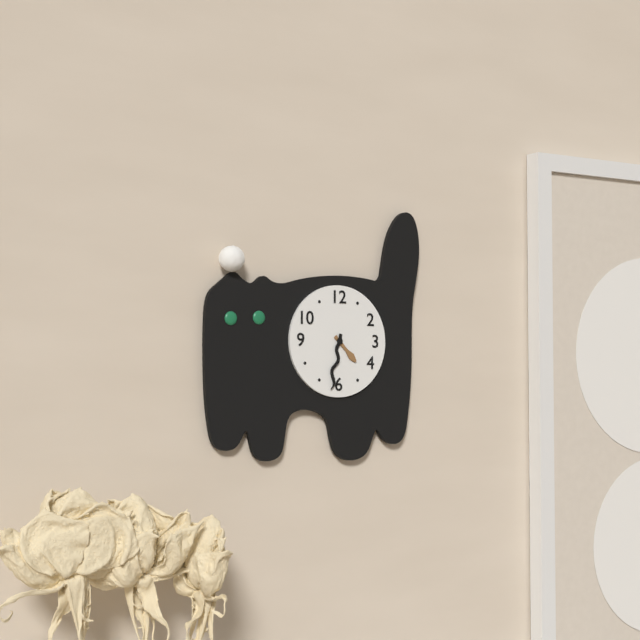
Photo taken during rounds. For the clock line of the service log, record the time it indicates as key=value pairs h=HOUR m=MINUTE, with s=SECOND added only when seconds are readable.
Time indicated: h=4 m=32
